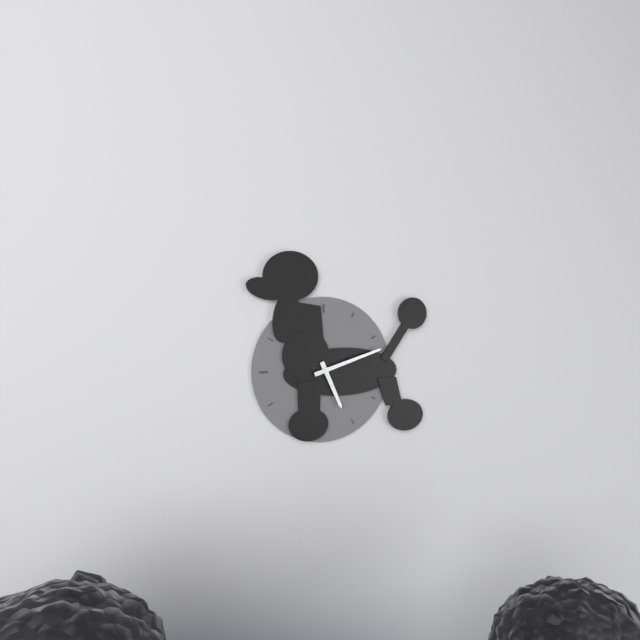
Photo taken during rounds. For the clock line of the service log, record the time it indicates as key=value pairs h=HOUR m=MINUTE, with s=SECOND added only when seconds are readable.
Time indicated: h=5 m=12
